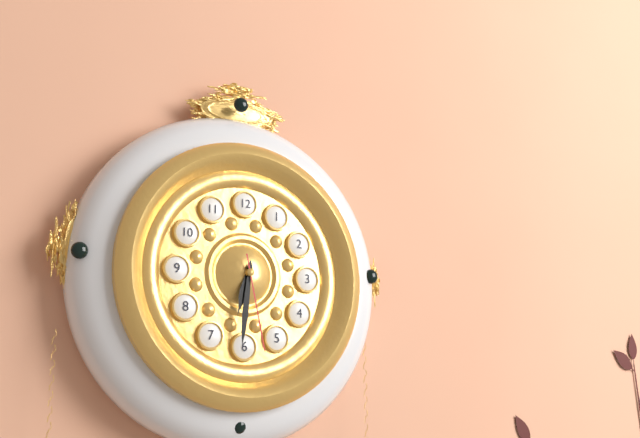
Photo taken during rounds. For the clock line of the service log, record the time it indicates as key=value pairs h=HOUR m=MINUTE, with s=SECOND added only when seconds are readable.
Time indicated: h=6 m=31 s=28
